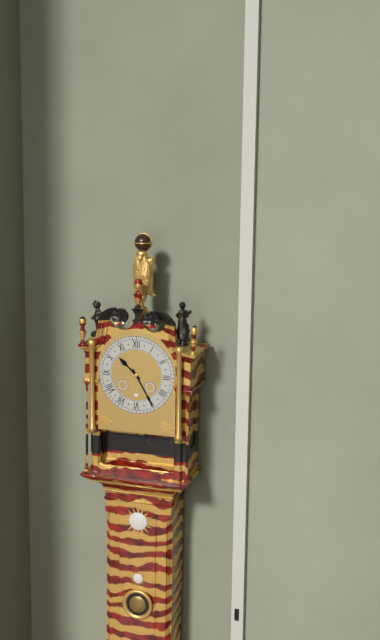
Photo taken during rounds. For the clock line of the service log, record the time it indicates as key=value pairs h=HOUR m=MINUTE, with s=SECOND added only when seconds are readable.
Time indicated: h=10 m=25
